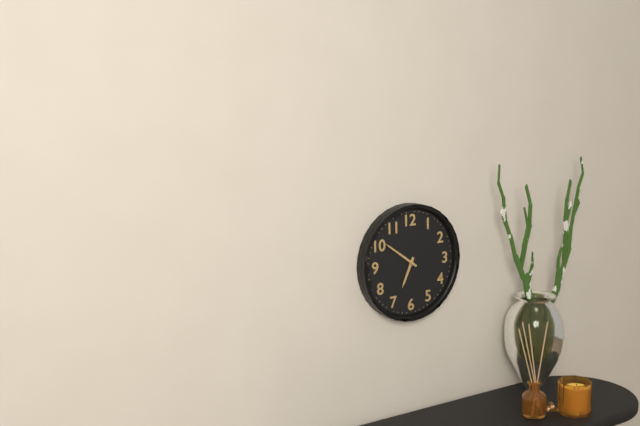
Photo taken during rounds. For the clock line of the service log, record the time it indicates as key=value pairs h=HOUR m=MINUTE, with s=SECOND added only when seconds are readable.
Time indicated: h=6 m=51
